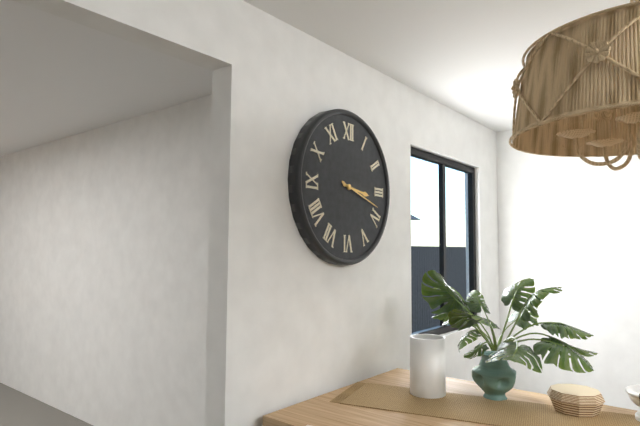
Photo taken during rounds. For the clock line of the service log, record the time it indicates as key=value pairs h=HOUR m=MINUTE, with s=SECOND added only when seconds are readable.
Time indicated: h=3 m=18
